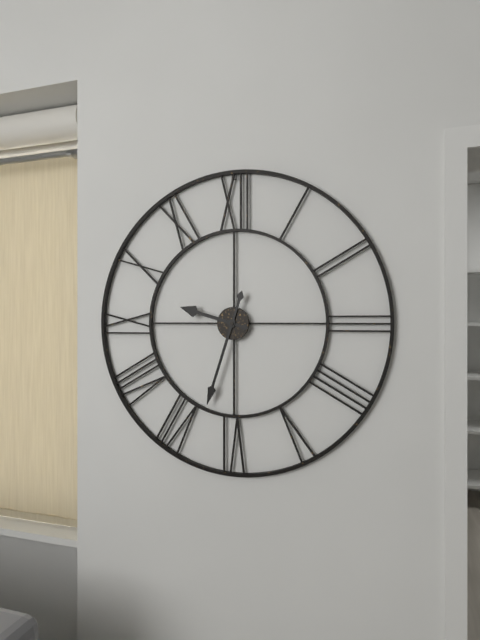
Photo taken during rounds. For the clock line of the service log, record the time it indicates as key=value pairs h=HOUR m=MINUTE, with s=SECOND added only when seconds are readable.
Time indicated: h=9 m=33
